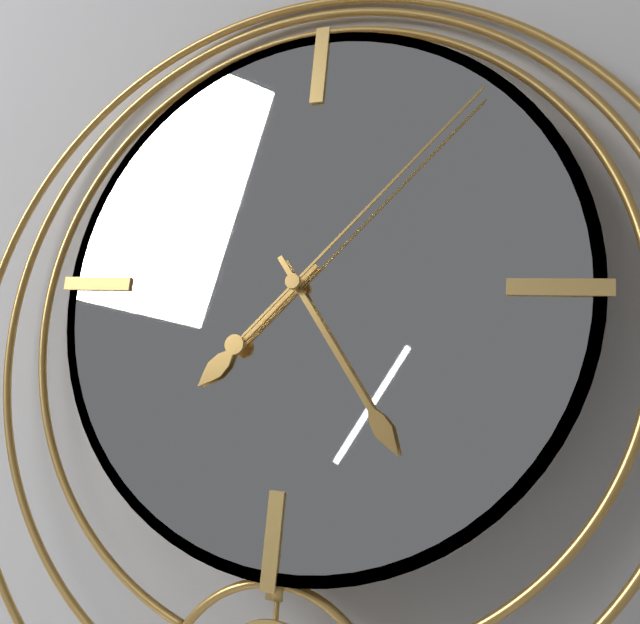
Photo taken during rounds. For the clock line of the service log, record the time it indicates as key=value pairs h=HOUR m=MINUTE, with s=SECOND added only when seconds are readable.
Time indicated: h=7 m=24 s=7
